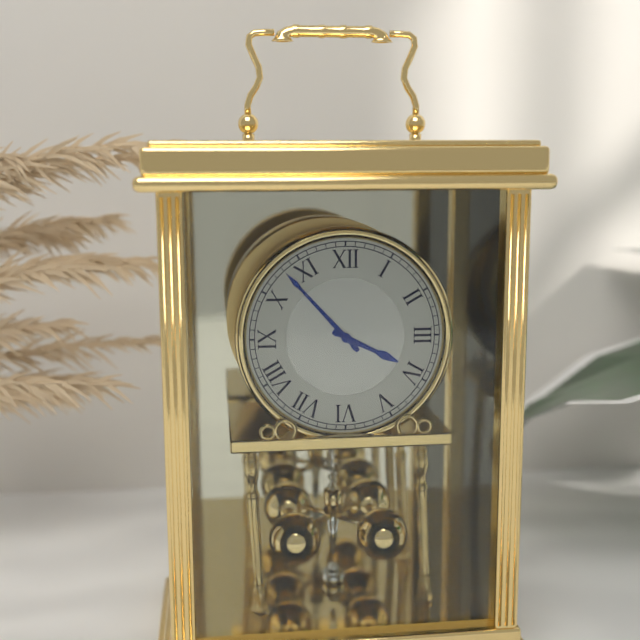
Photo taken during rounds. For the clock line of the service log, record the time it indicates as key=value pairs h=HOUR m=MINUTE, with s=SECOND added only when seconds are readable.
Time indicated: h=3 m=53
